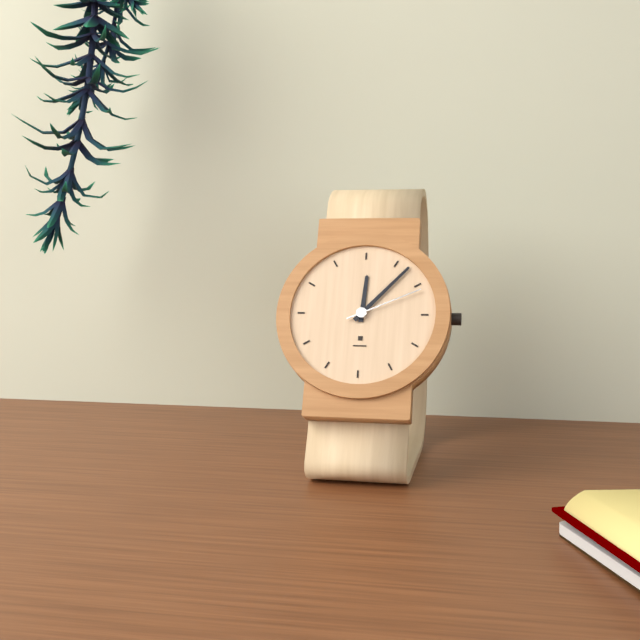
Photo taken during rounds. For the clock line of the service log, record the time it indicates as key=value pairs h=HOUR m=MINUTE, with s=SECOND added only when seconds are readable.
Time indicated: h=12 m=7 s=11
